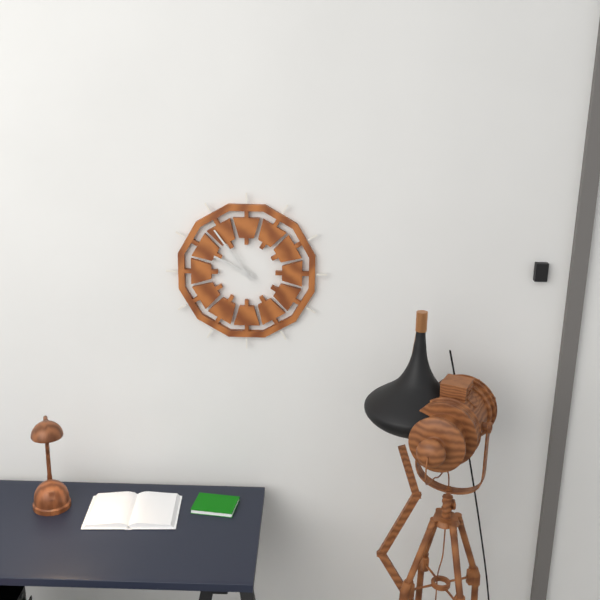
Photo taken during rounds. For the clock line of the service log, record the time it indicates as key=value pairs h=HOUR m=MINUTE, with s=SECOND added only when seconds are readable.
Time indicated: h=9 m=54
